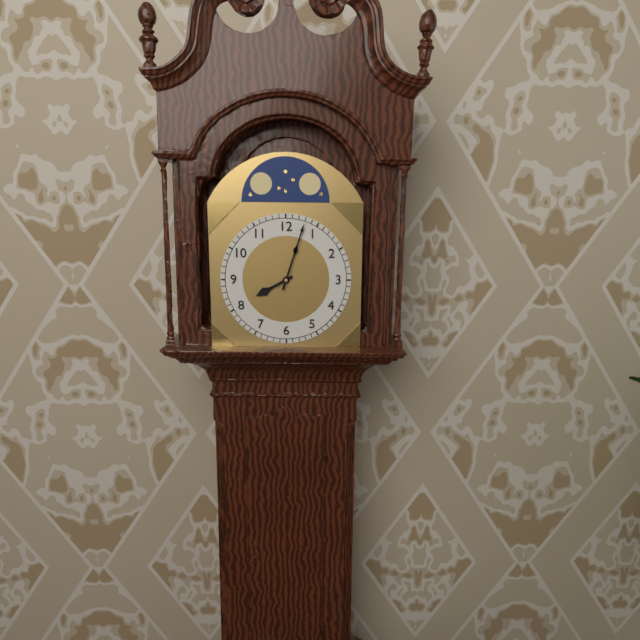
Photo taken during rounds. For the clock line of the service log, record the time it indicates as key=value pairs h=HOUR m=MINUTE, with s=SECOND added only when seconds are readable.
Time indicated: h=8 m=3
